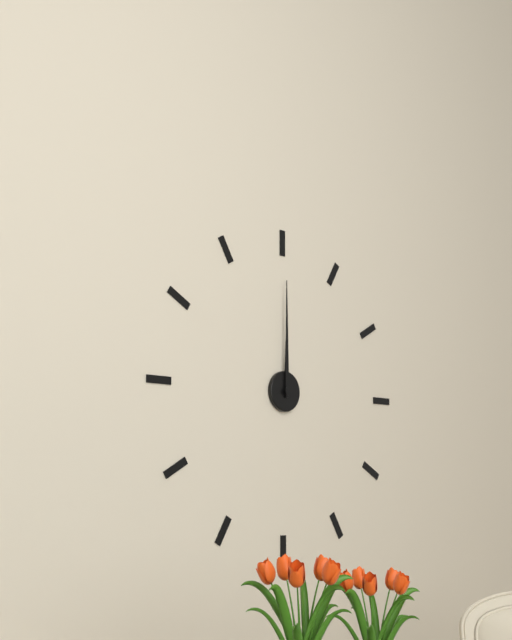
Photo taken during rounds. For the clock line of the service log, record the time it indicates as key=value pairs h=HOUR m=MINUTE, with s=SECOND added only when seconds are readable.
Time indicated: h=12 m=0
